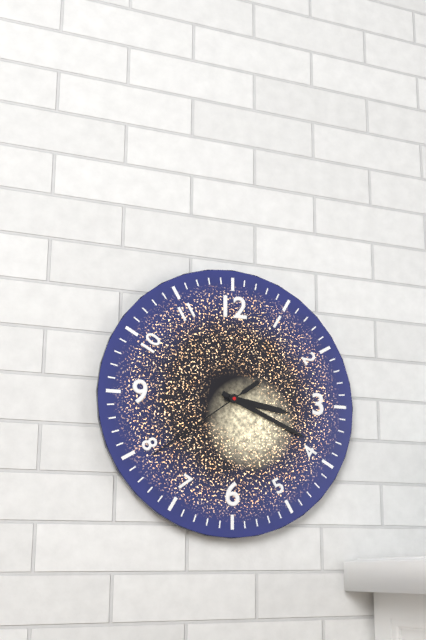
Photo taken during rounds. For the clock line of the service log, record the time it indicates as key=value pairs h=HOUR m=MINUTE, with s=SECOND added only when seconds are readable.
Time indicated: h=3 m=19 s=39
